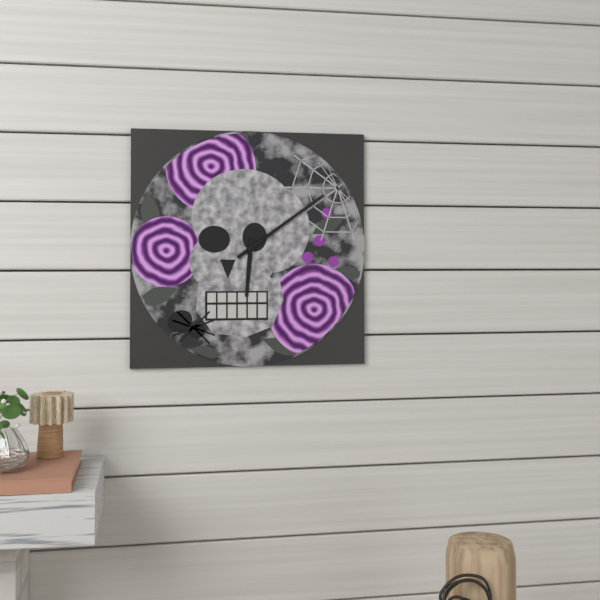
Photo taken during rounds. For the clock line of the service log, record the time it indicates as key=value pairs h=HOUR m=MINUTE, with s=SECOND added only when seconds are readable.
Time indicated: h=6 m=9
